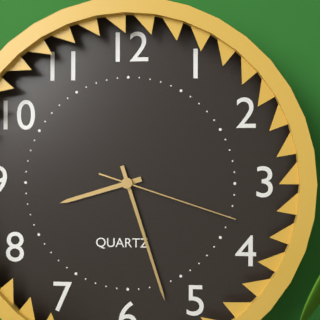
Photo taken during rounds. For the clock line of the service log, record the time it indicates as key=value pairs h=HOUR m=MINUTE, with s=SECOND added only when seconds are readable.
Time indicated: h=8 m=27 s=18
